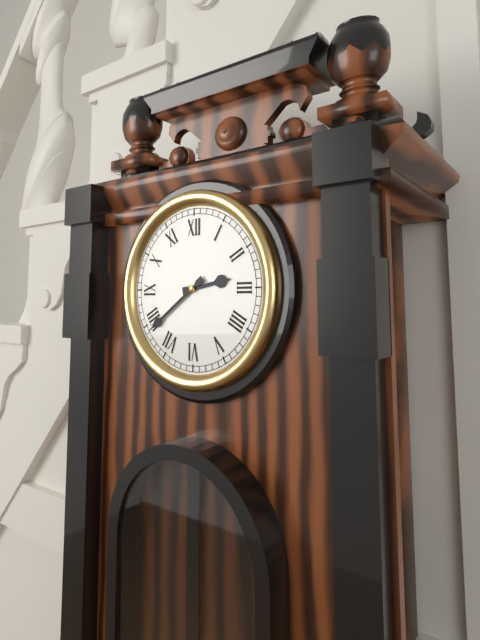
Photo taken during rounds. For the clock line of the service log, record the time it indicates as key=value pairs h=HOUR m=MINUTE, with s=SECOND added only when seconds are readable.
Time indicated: h=2 m=39
